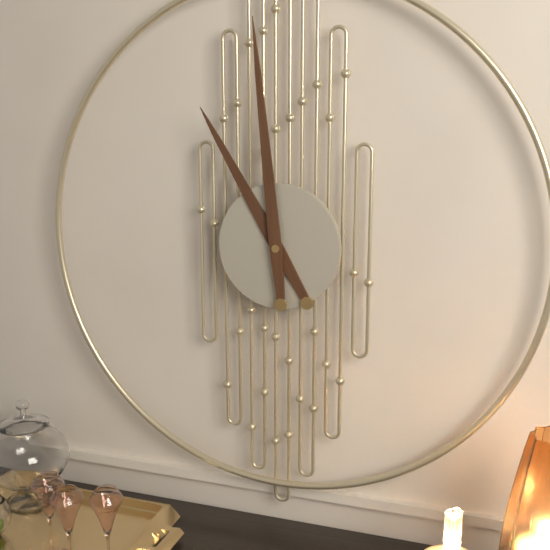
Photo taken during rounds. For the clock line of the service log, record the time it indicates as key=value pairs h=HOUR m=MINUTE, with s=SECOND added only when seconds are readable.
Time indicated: h=10 m=59
